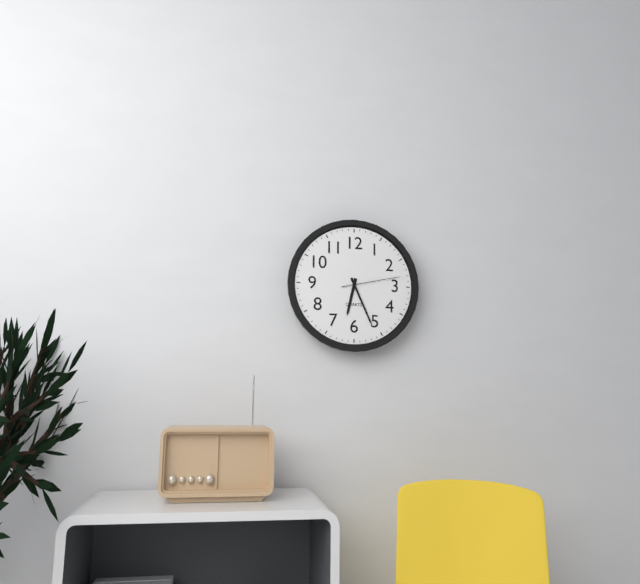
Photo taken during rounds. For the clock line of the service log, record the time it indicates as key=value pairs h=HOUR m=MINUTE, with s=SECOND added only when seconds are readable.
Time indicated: h=6 m=26 s=13
